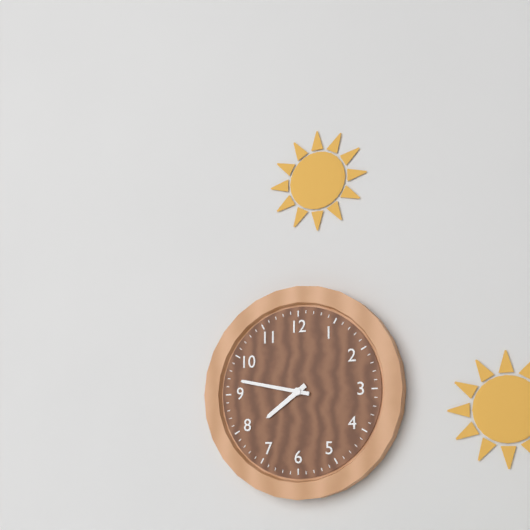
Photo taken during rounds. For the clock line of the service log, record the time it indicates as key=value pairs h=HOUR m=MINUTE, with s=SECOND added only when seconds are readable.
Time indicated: h=7 m=47
